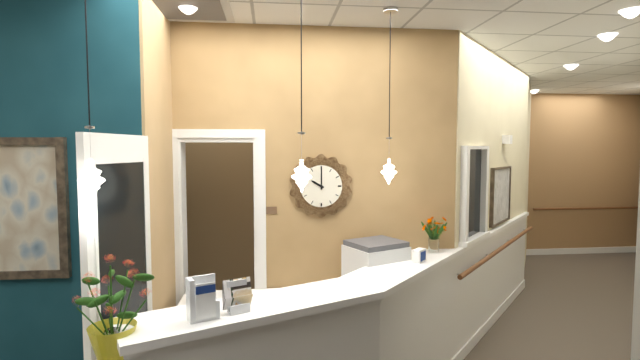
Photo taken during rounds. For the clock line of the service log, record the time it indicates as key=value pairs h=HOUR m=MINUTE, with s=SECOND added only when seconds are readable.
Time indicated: h=10 m=0
